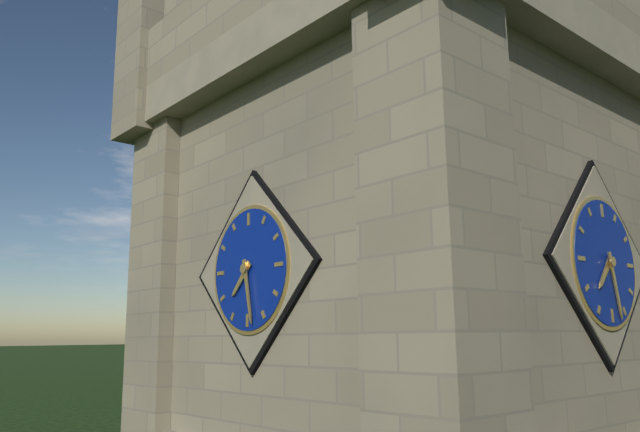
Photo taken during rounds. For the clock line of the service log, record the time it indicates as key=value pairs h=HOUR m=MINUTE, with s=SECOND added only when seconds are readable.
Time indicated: h=7 m=28
